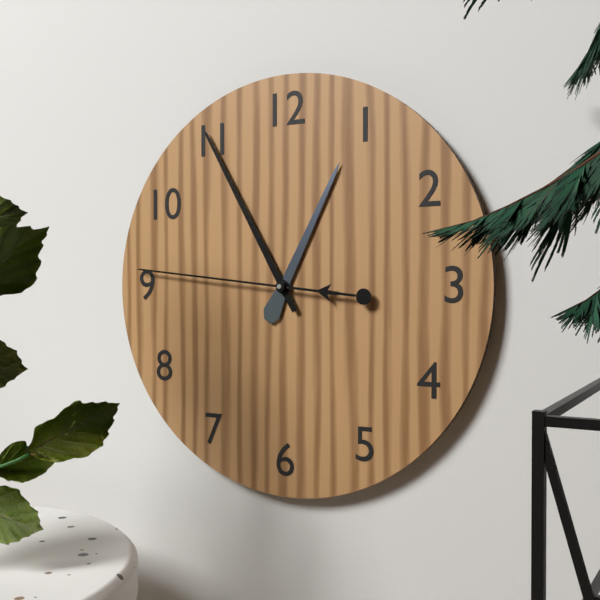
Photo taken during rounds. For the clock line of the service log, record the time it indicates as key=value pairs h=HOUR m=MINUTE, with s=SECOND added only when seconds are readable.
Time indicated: h=12 m=55 s=46
